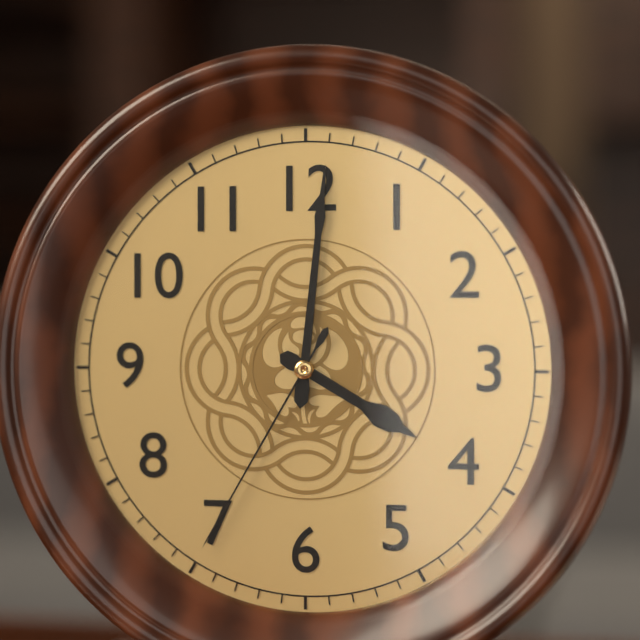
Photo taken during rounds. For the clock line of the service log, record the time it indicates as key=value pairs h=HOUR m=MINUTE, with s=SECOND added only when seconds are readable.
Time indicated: h=4 m=1 s=35
